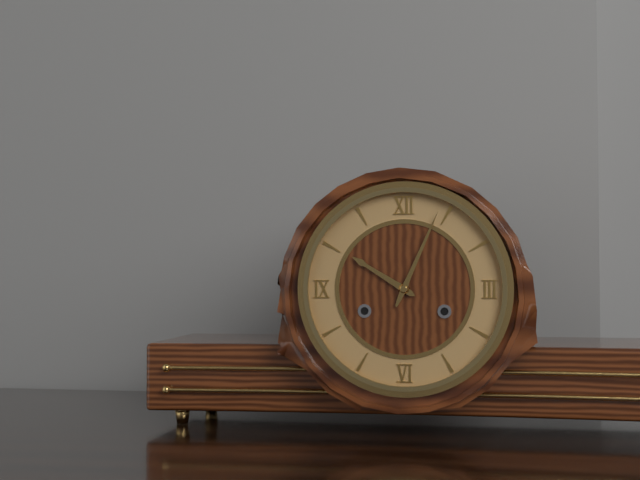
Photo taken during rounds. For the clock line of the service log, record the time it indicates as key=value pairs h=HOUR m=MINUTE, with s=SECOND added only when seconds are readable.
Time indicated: h=10 m=4
